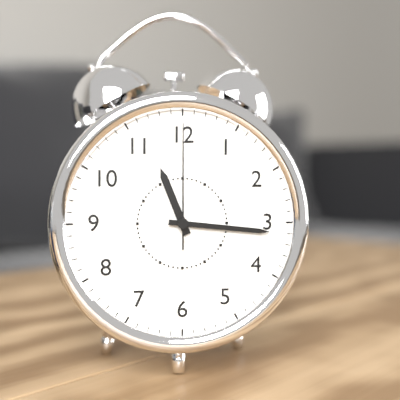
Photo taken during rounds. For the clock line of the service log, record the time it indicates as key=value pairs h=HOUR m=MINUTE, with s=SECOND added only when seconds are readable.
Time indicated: h=11 m=16 s=0
